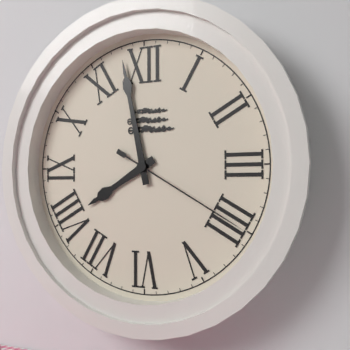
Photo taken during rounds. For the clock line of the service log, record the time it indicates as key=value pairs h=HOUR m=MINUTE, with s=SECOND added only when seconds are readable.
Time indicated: h=7 m=58 s=20
